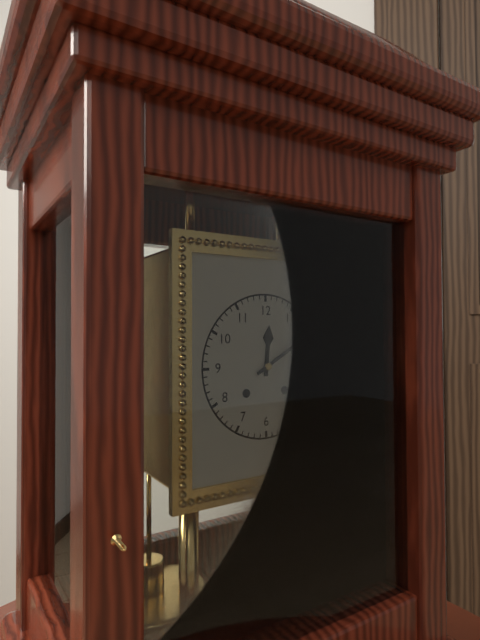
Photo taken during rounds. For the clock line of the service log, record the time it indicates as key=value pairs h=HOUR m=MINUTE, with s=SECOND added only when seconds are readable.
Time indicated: h=12 m=10
